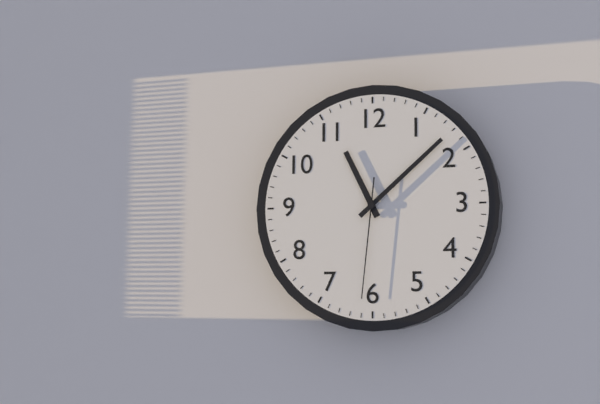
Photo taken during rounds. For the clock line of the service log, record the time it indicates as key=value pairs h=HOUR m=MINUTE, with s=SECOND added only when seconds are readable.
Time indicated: h=11 m=8 s=31
